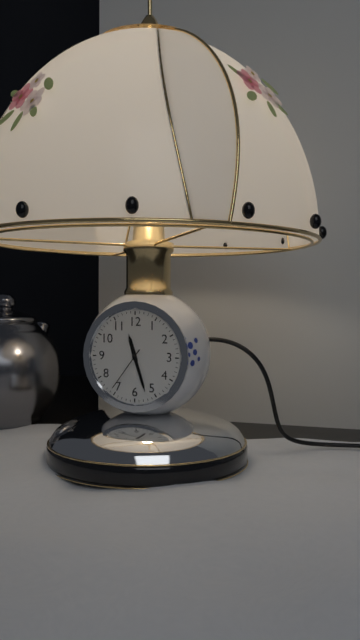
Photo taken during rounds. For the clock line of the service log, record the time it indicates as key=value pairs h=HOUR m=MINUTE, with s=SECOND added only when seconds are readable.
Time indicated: h=11 m=27
